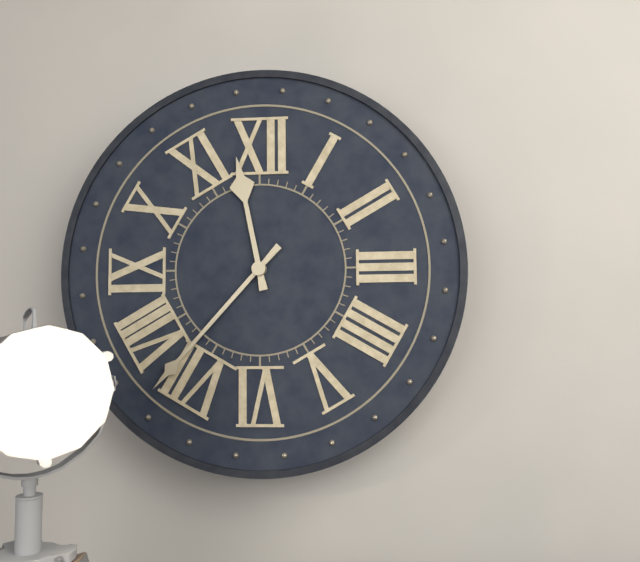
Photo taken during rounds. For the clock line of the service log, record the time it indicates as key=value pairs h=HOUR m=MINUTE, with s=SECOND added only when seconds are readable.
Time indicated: h=11 m=37
